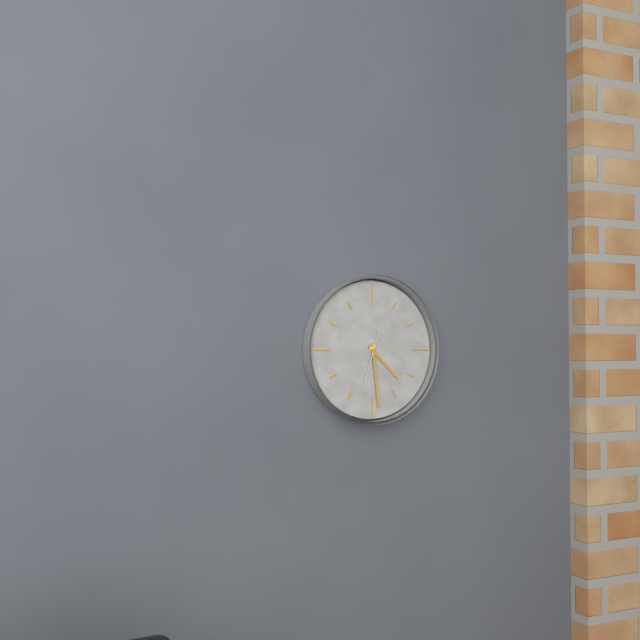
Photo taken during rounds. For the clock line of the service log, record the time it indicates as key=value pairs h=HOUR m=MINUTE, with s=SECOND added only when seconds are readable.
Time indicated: h=4 m=29 s=33
